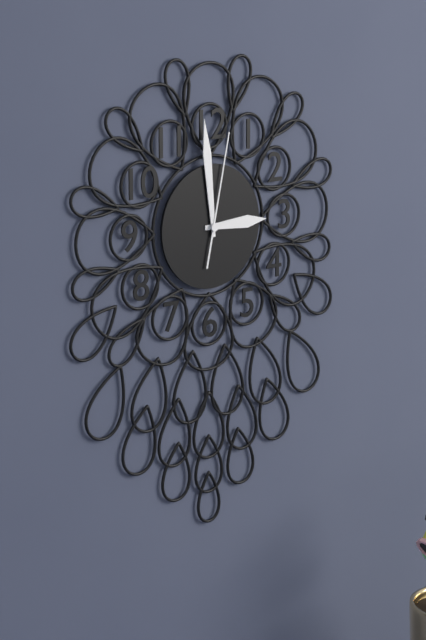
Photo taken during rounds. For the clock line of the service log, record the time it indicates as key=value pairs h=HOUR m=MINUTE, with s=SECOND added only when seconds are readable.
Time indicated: h=2 m=59 s=2
